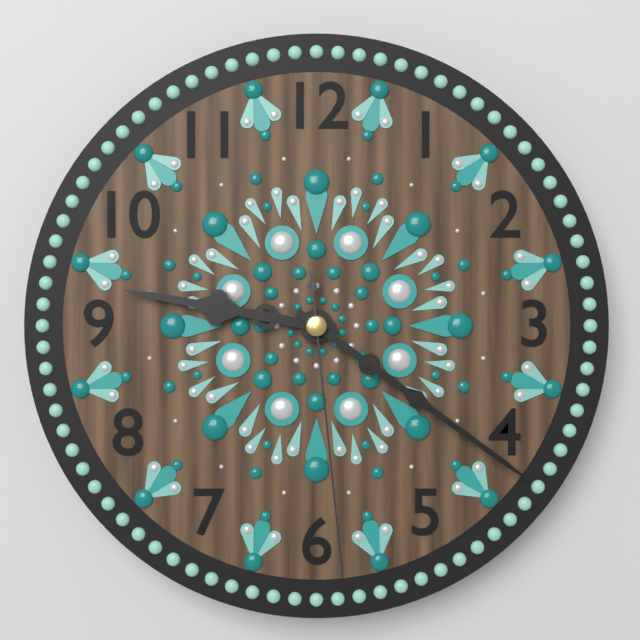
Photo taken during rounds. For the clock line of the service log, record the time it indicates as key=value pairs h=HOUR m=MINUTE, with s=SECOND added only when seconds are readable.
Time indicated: h=9 m=21 s=29
